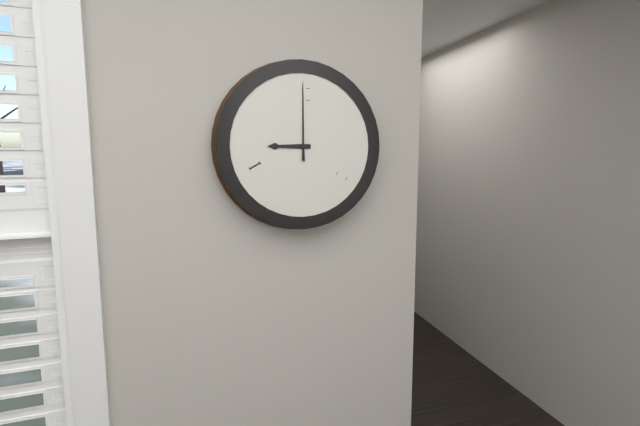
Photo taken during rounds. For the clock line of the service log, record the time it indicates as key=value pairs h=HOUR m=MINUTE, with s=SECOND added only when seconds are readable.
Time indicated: h=9 m=0
